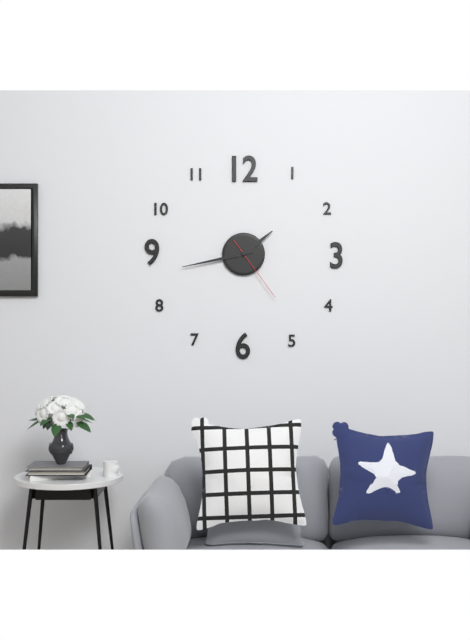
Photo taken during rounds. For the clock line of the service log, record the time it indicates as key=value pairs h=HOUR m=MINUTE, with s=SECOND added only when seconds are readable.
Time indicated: h=1 m=43 s=24
